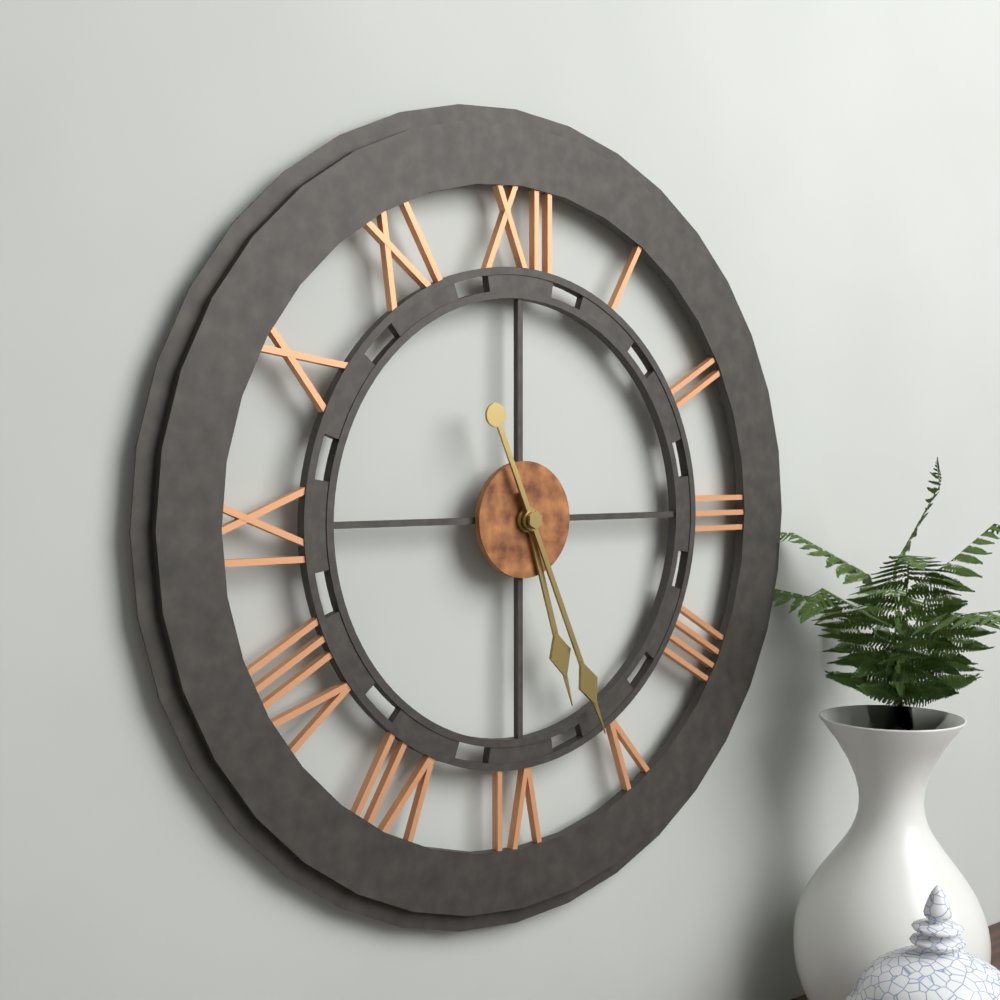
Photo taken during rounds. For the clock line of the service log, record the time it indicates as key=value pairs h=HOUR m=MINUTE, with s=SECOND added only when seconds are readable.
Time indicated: h=5 m=26
